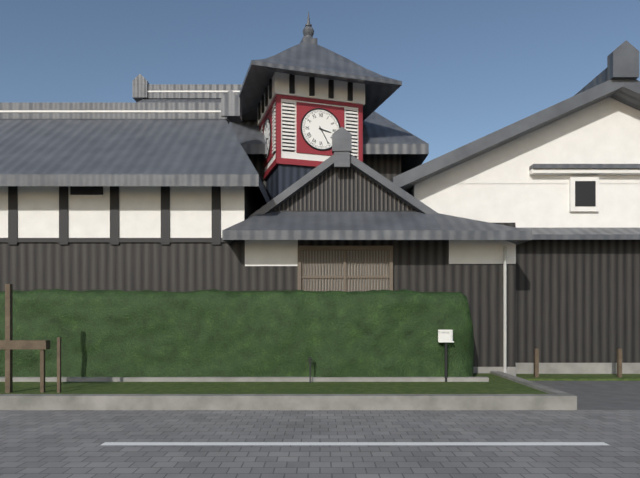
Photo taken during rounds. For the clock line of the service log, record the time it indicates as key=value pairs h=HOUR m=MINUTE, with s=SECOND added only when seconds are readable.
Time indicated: h=3 m=25
